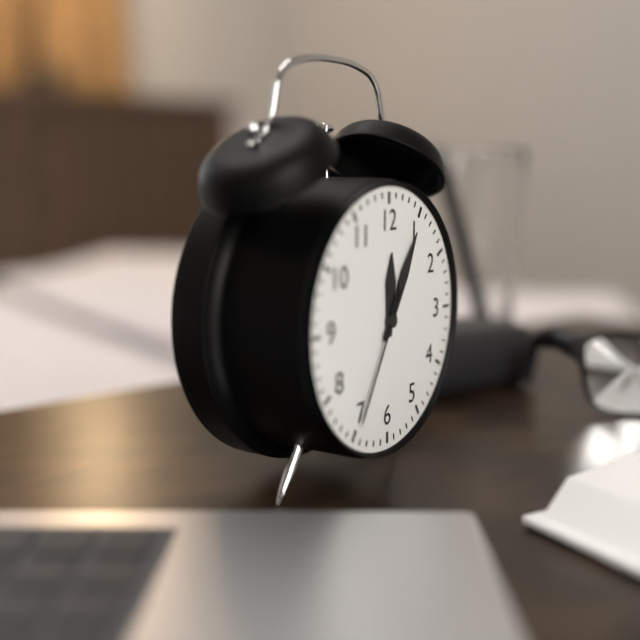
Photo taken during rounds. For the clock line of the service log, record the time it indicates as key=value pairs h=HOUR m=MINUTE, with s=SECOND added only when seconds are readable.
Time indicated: h=12 m=5 s=35
